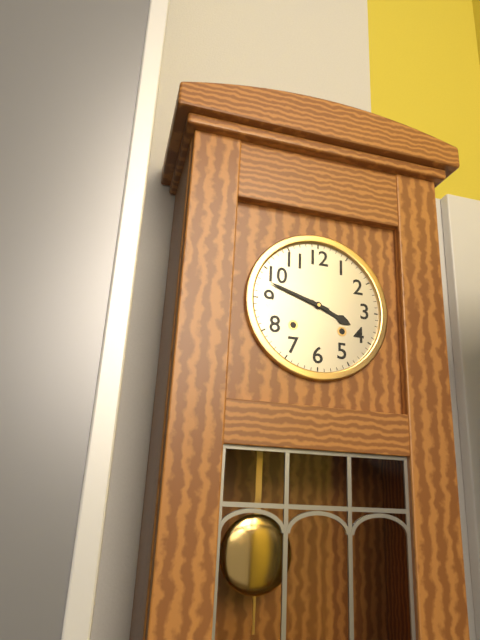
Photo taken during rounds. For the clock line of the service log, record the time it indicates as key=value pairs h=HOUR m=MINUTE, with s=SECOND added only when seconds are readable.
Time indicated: h=3 m=48
